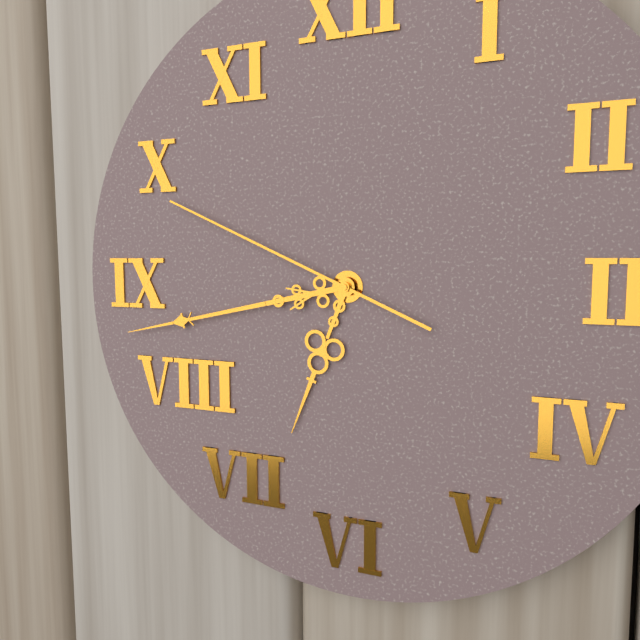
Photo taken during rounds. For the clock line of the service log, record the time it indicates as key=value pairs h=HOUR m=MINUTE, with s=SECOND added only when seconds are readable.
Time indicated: h=6 m=43 s=49
